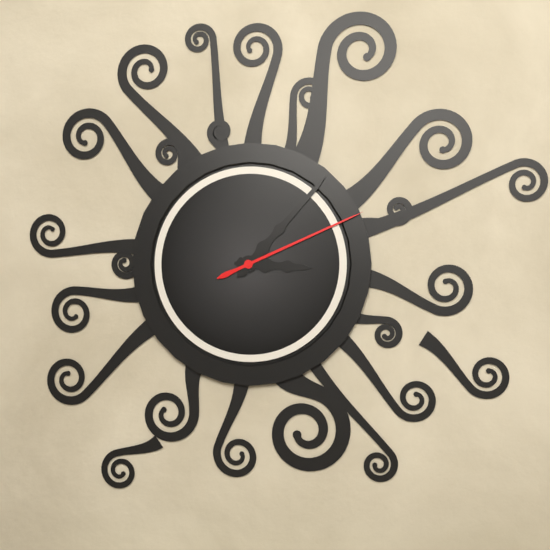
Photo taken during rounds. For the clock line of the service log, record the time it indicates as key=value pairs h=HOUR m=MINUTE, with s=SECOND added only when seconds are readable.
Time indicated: h=3 m=7 s=11
